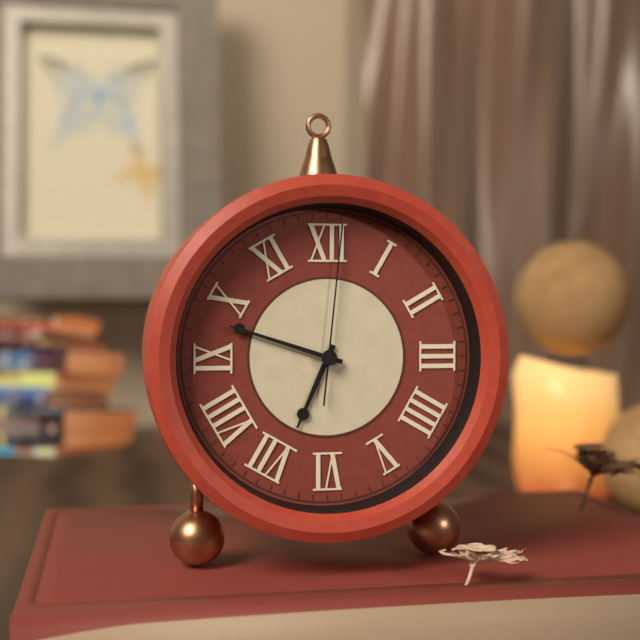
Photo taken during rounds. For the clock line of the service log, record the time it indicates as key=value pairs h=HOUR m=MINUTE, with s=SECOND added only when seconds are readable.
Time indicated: h=6 m=48 s=1
